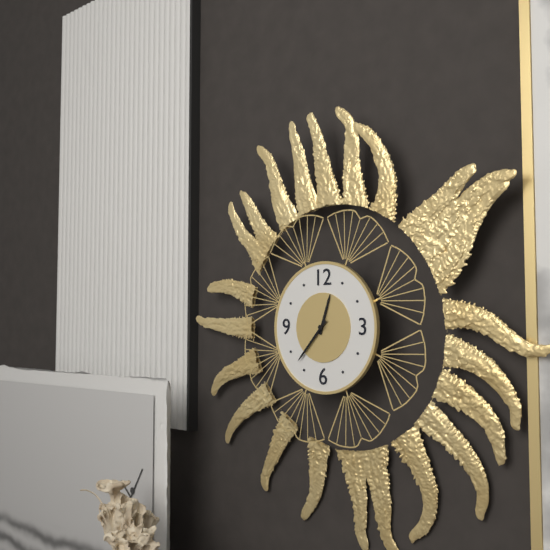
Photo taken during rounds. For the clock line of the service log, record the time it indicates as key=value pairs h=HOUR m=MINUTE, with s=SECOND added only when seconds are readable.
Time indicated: h=12 m=37
